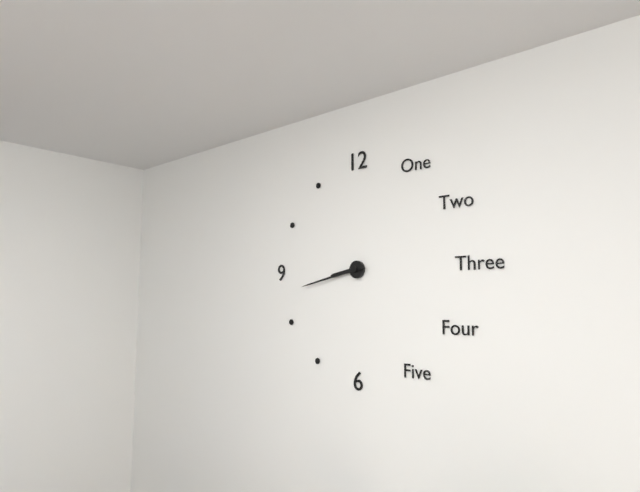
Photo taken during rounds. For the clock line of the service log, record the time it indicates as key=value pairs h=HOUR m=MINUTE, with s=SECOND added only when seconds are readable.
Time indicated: h=8 m=43
